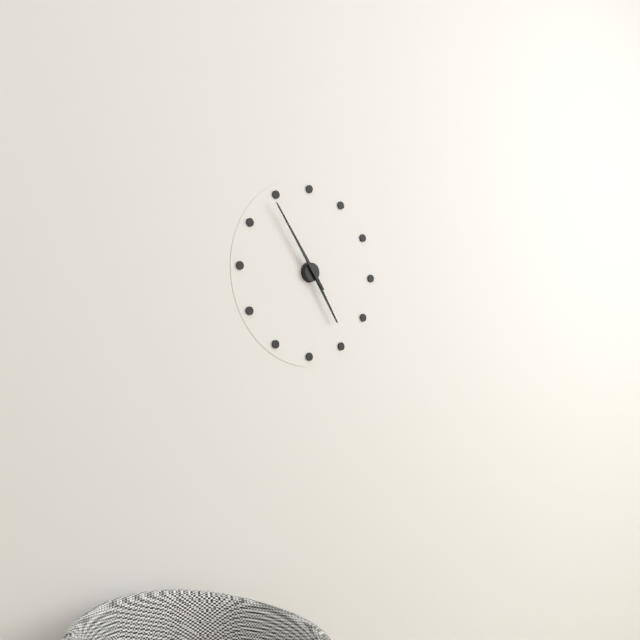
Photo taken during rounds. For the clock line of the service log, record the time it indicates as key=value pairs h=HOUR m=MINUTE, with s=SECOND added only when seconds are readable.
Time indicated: h=4 m=54
